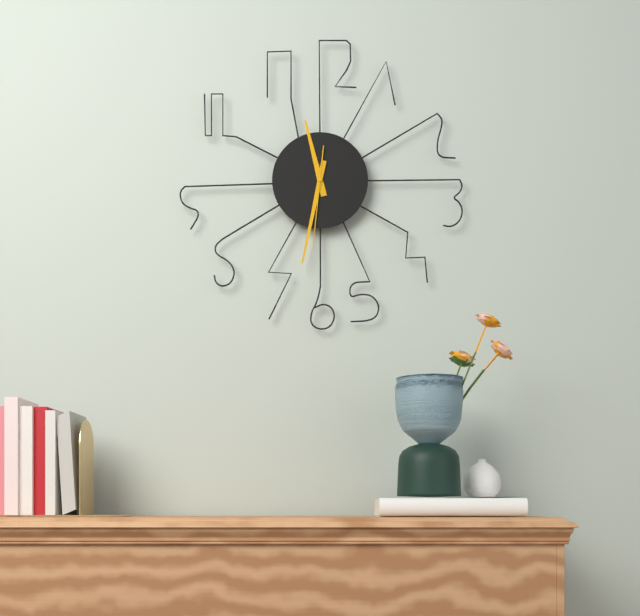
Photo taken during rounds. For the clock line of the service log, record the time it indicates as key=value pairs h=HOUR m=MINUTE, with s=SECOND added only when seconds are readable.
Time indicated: h=11 m=32 s=31
